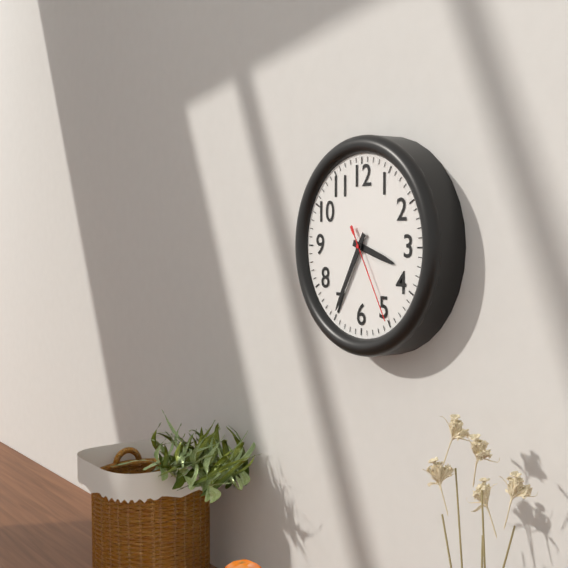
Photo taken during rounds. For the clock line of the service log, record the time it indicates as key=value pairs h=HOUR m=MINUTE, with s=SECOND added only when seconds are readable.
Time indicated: h=3 m=35 s=25
